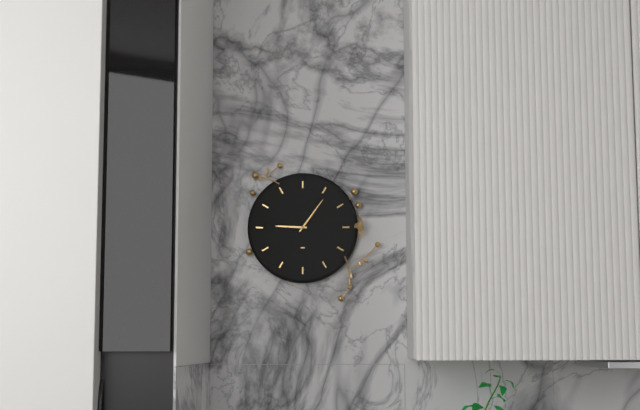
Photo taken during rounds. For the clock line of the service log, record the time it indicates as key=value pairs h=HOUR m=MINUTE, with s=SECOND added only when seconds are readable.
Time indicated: h=9 m=6
